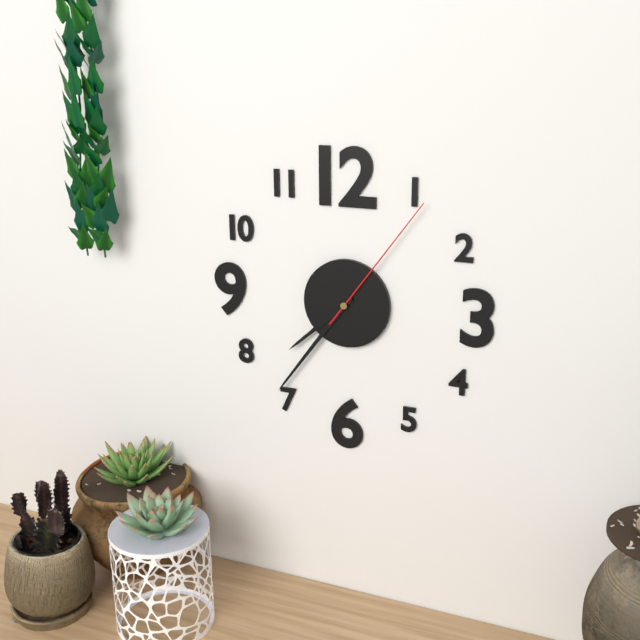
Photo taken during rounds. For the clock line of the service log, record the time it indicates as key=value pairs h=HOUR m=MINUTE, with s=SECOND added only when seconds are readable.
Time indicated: h=7 m=36 s=6
